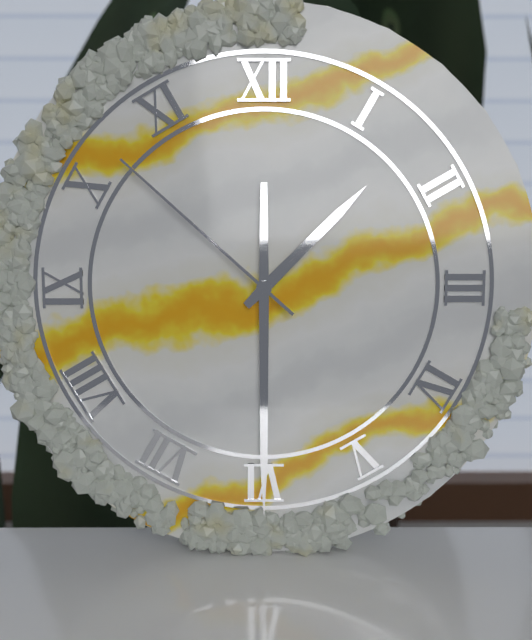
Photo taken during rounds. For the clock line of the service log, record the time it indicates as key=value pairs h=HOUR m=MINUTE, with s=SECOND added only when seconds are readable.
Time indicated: h=1 m=30 s=52
